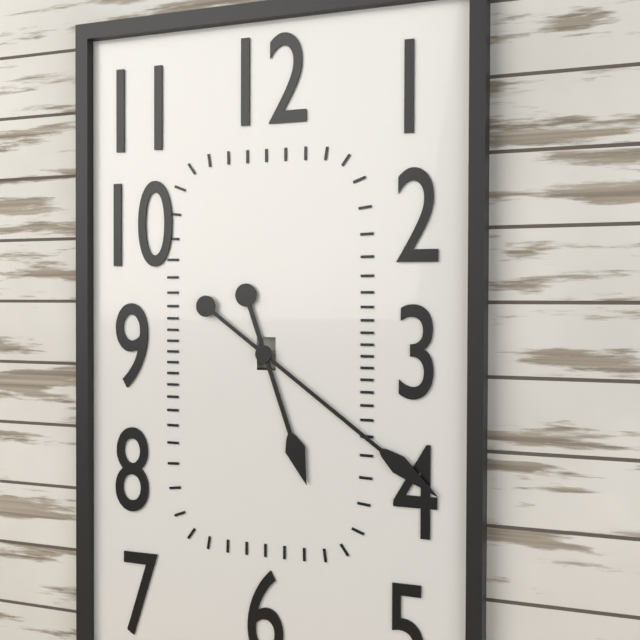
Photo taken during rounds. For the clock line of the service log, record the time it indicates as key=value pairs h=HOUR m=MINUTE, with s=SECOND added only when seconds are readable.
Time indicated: h=5 m=21
